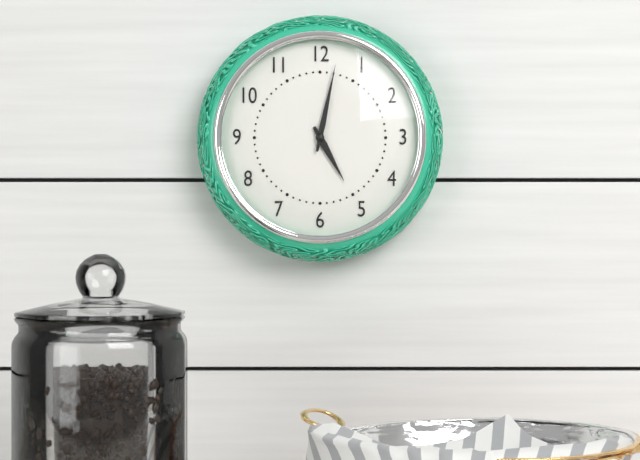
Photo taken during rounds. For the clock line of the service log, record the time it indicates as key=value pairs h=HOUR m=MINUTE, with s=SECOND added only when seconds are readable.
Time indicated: h=5 m=2
